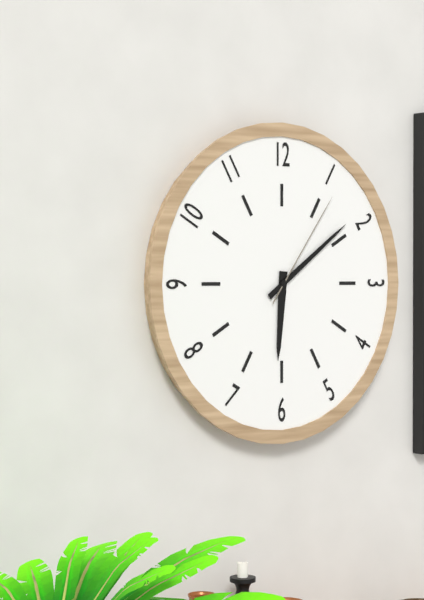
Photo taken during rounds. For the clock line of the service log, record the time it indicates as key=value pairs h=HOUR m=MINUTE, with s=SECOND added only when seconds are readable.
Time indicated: h=6 m=9 s=6
